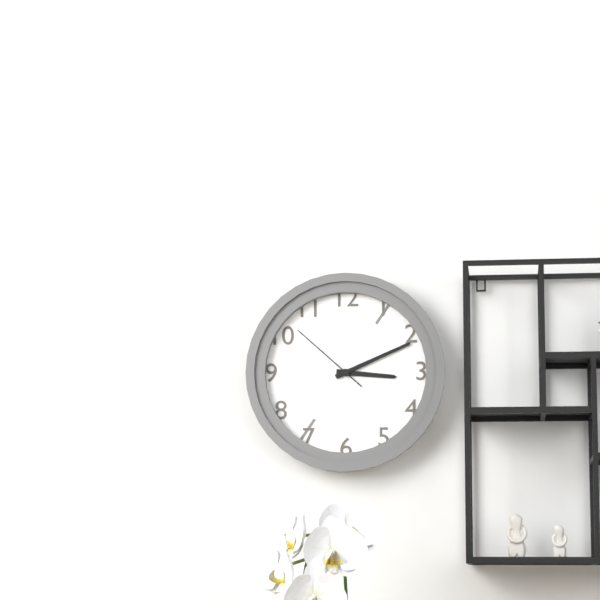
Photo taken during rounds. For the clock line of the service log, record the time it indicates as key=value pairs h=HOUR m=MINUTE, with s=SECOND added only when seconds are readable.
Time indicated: h=3 m=11 s=52
